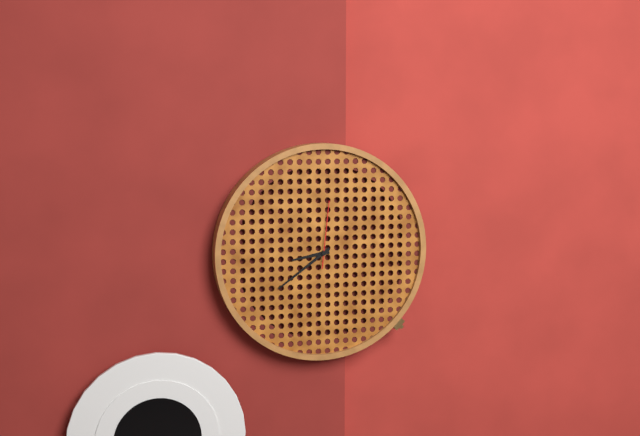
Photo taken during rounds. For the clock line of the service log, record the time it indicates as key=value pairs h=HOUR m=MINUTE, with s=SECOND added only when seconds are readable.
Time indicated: h=8 m=39 s=1
